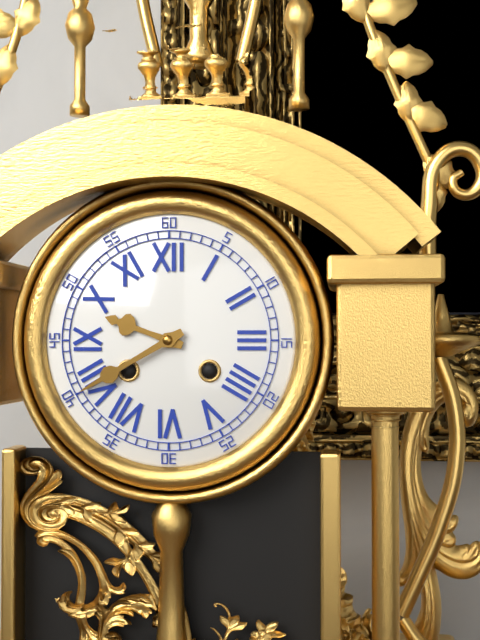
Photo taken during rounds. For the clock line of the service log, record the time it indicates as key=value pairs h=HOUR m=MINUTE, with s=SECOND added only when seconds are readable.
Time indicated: h=9 m=40
